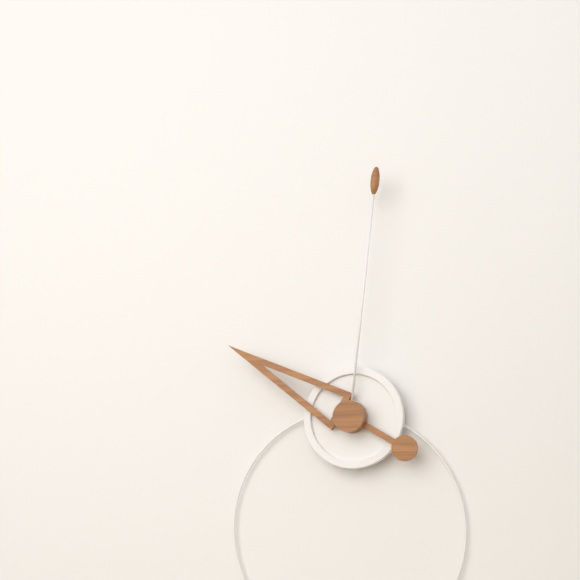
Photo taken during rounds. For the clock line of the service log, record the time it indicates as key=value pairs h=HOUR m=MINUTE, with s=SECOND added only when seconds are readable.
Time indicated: h=10 m=1
